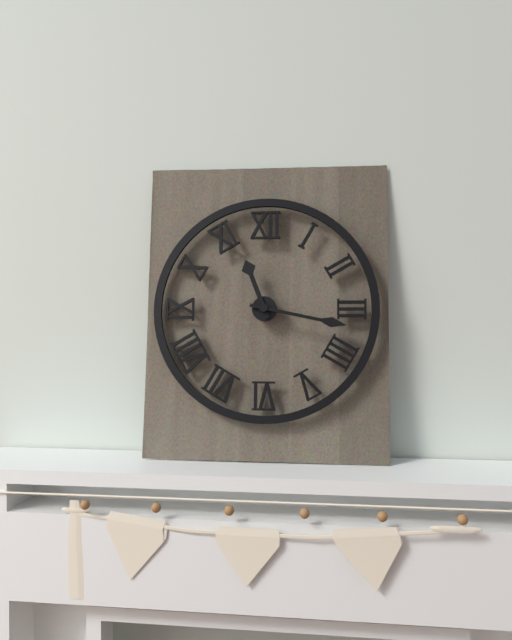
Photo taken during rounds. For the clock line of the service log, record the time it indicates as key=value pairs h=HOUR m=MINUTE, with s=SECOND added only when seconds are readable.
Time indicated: h=11 m=17
